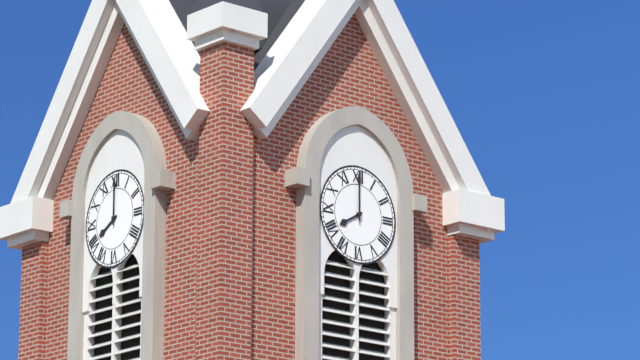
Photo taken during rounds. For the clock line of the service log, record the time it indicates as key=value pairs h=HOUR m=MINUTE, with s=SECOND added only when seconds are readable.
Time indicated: h=8 m=0
